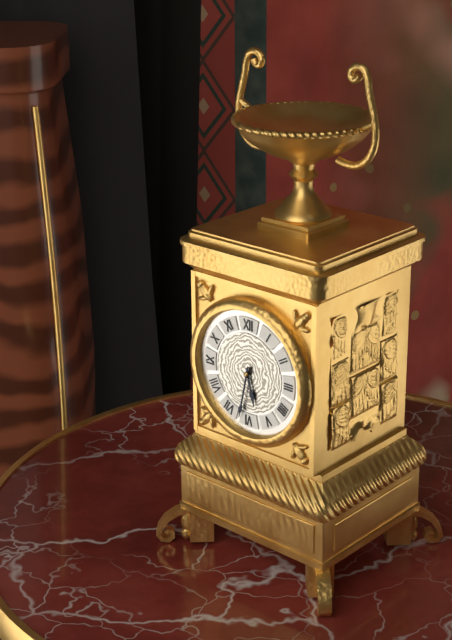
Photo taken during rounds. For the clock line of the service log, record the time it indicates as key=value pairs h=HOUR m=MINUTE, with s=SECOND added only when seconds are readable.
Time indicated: h=5 m=32
